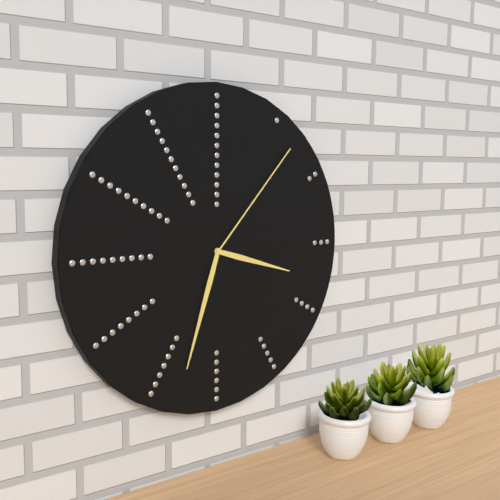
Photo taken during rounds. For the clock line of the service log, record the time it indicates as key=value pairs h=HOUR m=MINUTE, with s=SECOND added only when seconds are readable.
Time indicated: h=3 m=33 s=7
